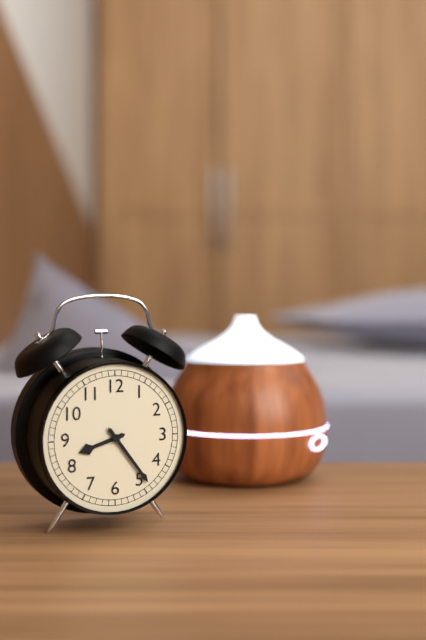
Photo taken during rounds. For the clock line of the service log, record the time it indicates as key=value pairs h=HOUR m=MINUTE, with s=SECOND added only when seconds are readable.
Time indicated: h=8 m=24
